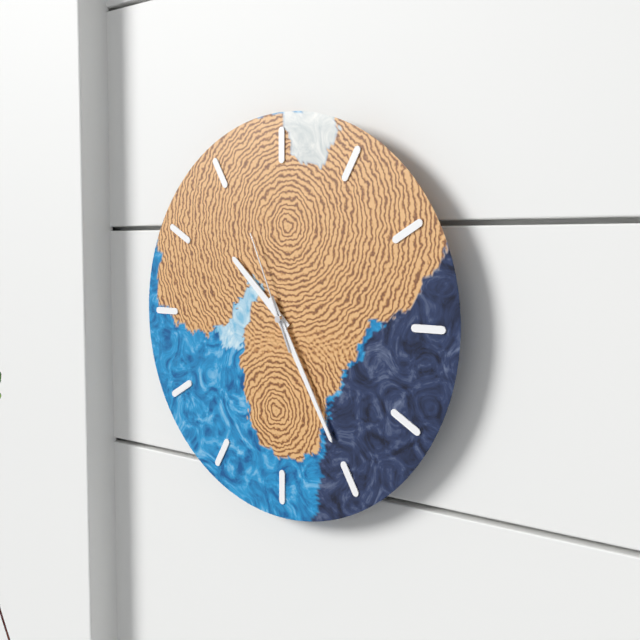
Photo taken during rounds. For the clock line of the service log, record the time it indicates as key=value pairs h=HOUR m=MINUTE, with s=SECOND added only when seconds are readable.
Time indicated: h=10 m=25 s=56
